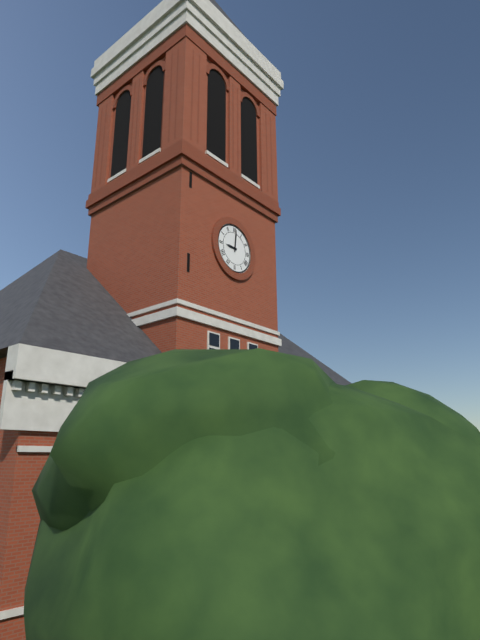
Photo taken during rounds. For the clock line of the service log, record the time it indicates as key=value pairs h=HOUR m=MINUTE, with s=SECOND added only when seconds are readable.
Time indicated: h=9 m=1
